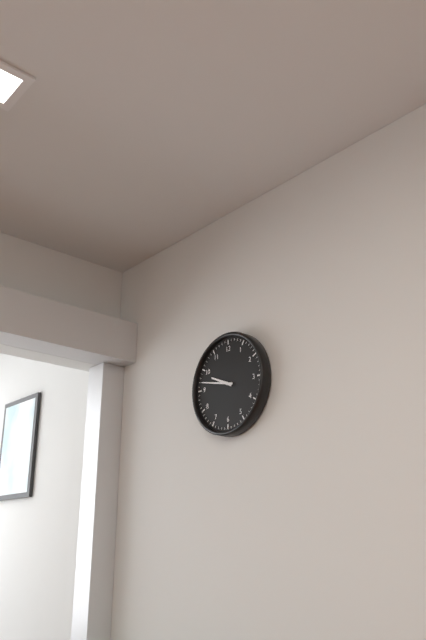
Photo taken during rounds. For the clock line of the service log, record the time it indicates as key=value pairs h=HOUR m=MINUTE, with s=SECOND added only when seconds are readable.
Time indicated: h=9 m=47
